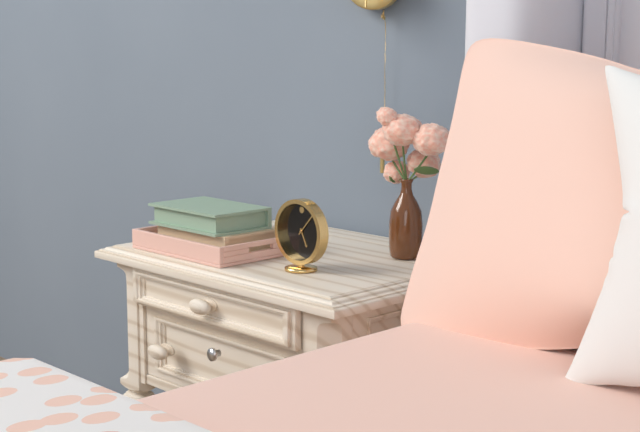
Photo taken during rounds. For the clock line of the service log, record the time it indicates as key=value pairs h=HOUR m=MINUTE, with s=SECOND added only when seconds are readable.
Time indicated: h=5 m=7
